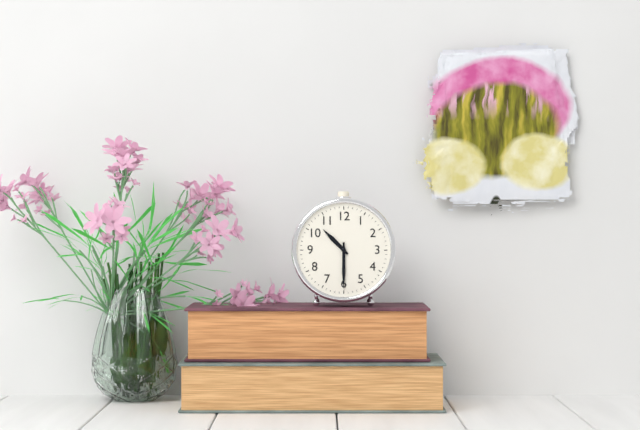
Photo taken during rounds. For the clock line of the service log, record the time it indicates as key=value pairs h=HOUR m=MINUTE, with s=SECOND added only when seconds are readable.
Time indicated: h=10 m=30
